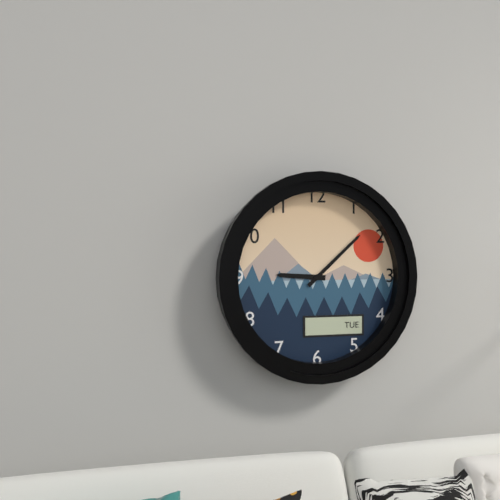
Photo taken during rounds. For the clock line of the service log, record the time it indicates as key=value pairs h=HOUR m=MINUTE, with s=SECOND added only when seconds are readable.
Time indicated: h=9 m=8
